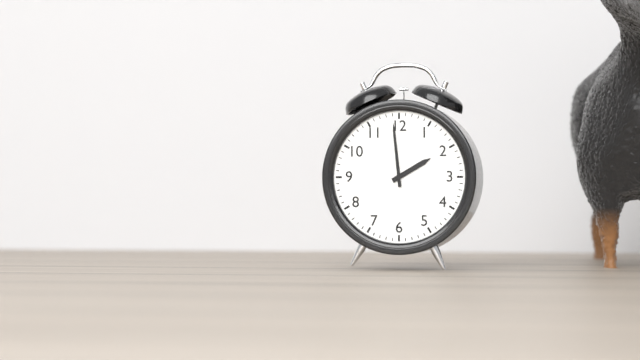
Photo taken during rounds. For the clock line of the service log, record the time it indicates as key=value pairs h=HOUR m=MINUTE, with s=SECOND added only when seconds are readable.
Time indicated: h=1 m=59
